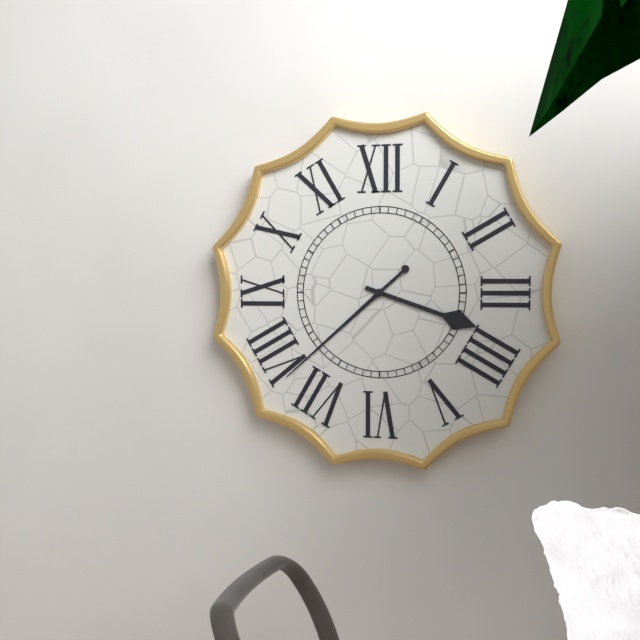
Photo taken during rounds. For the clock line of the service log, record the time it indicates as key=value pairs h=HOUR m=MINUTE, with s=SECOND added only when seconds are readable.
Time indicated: h=3 m=38
